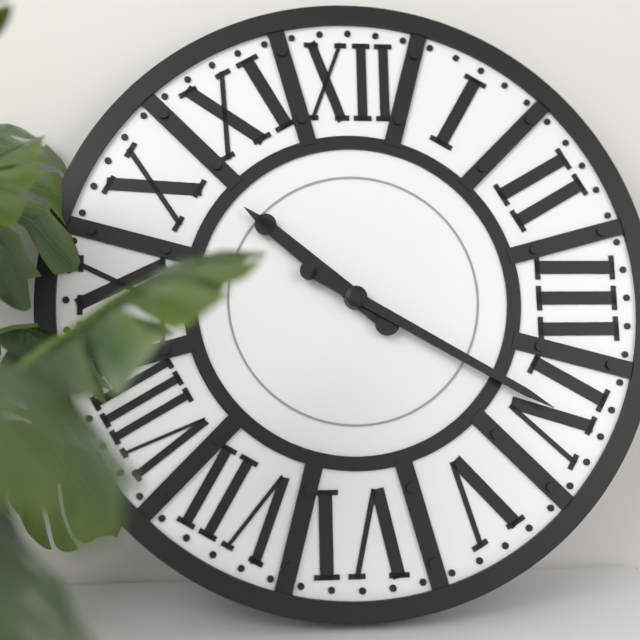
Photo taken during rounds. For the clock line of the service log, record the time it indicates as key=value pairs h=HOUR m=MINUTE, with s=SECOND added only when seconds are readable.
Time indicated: h=10 m=20
